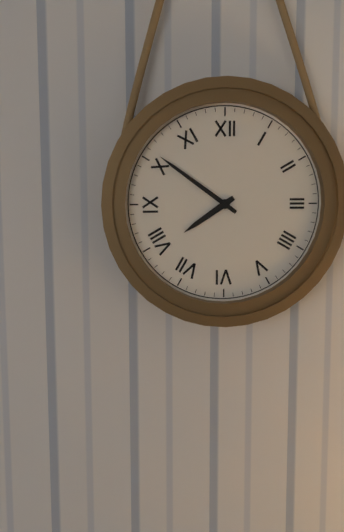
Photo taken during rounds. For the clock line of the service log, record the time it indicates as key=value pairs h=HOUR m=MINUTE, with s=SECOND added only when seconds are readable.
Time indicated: h=7 m=51
